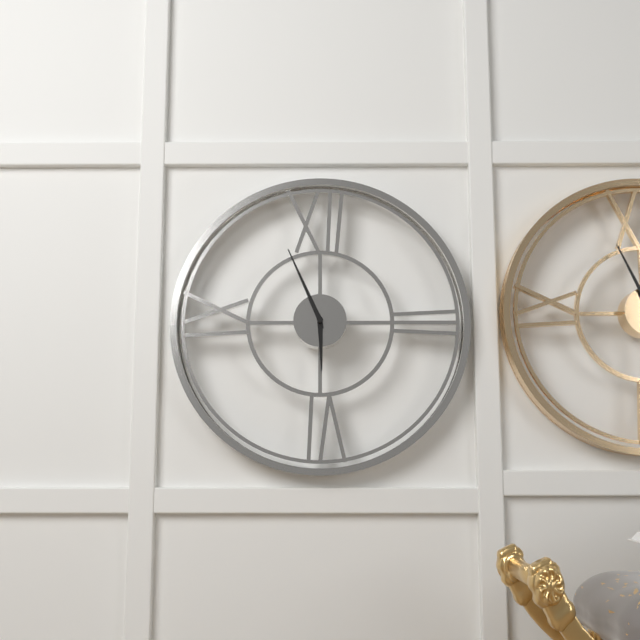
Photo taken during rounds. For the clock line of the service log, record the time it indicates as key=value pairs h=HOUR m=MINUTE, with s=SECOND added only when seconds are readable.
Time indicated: h=5 m=56
